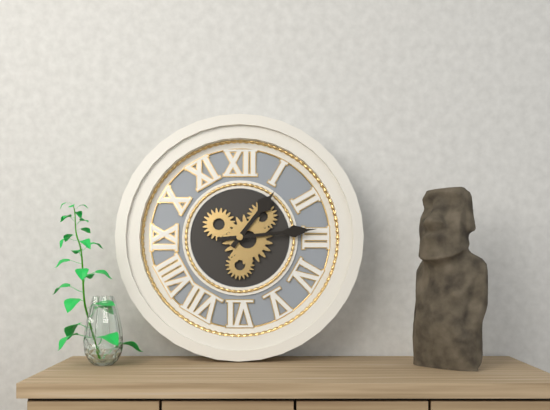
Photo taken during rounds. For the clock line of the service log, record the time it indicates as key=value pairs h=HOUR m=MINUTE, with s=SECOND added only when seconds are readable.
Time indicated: h=1 m=14
